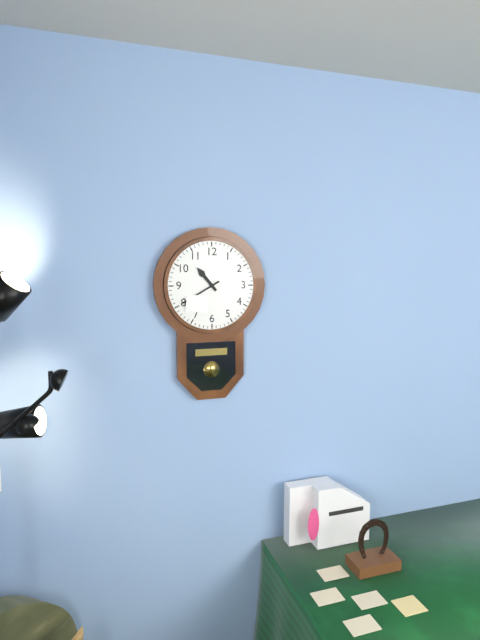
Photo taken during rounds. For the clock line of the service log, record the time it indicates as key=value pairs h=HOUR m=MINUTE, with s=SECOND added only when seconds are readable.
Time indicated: h=10 m=40
